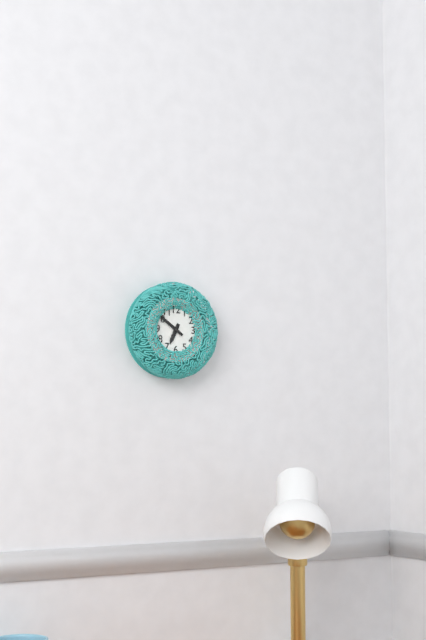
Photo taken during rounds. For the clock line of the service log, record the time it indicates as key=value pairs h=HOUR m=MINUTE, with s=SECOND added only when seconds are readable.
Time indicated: h=6 m=51
